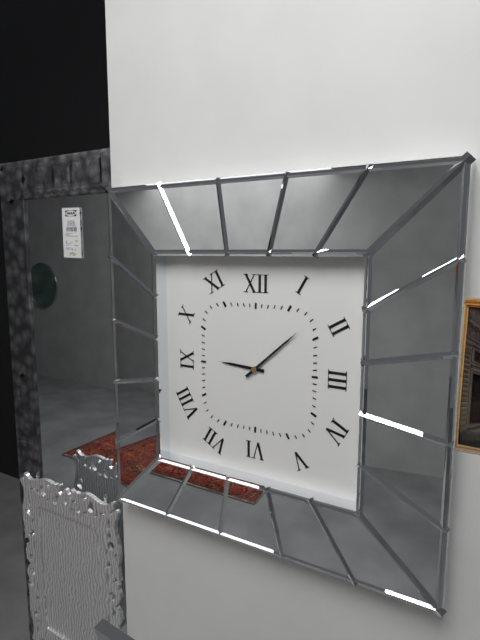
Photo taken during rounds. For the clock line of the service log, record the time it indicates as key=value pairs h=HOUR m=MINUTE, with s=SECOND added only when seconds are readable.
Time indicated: h=9 m=8
